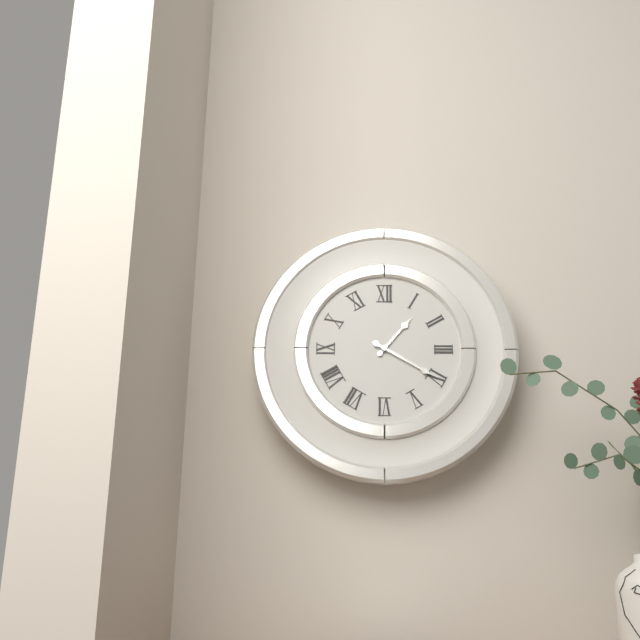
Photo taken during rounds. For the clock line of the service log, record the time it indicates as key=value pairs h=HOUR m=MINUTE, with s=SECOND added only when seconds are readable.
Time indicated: h=1 m=20
